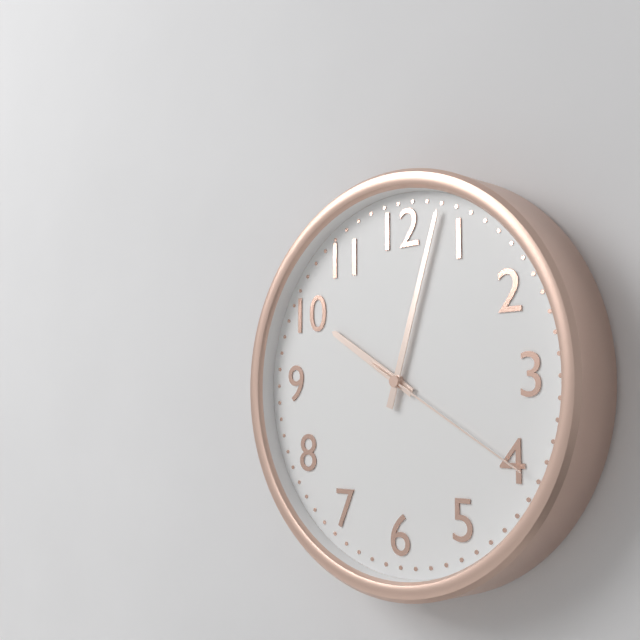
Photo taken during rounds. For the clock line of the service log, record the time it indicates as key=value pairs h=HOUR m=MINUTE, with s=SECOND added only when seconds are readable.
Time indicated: h=10 m=3 s=20
